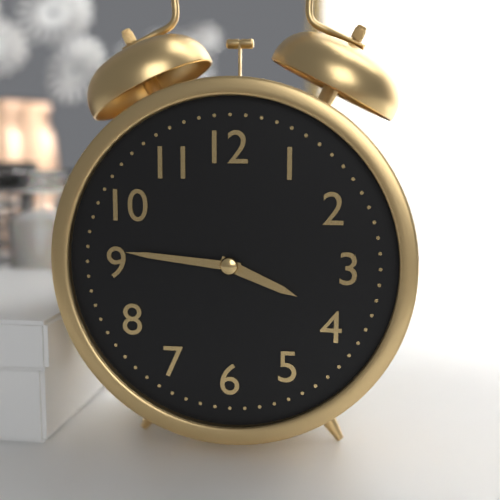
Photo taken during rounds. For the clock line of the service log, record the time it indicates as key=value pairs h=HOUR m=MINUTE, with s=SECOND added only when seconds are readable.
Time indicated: h=3 m=46
